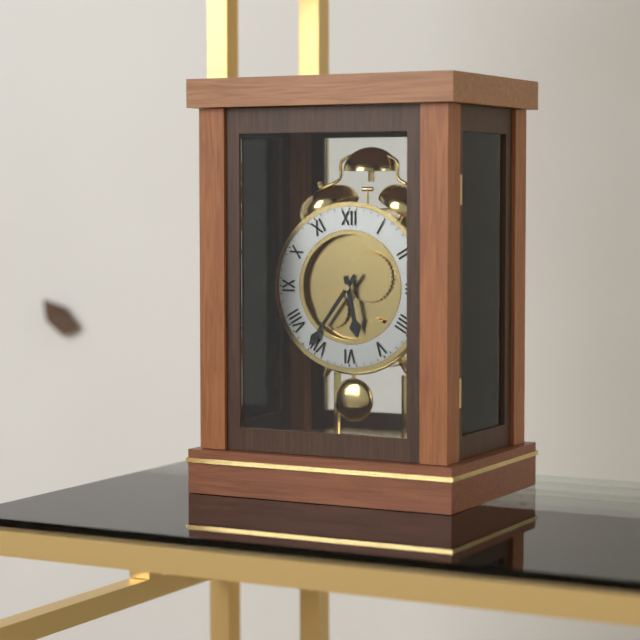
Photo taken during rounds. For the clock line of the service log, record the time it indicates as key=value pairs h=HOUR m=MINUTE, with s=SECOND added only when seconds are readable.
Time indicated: h=5 m=36
